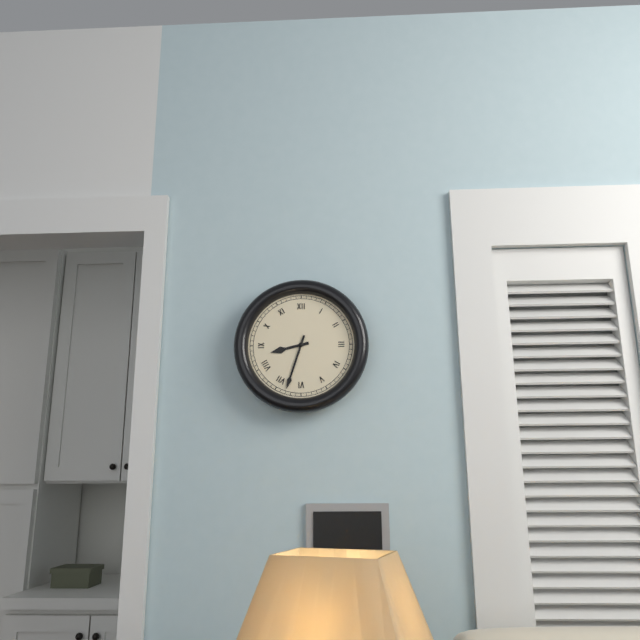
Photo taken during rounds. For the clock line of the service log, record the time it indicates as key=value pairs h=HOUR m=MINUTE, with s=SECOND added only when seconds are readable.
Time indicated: h=8 m=33
